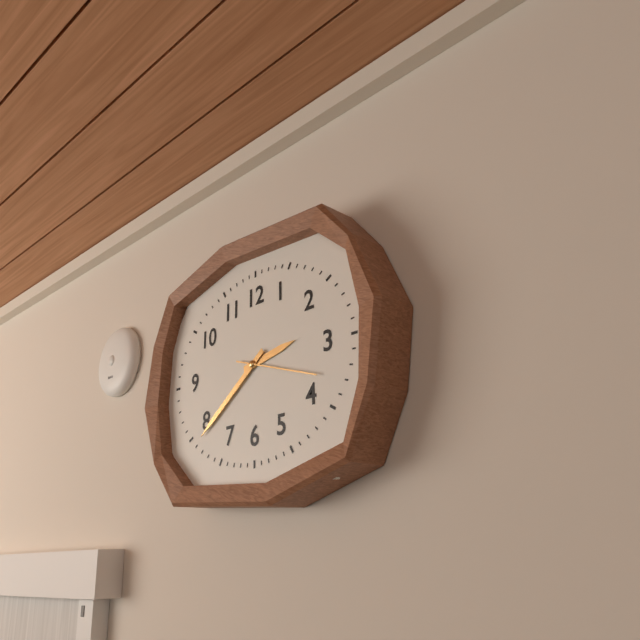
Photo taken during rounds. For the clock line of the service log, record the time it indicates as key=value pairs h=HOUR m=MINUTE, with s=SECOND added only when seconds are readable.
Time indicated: h=2 m=39 s=18
